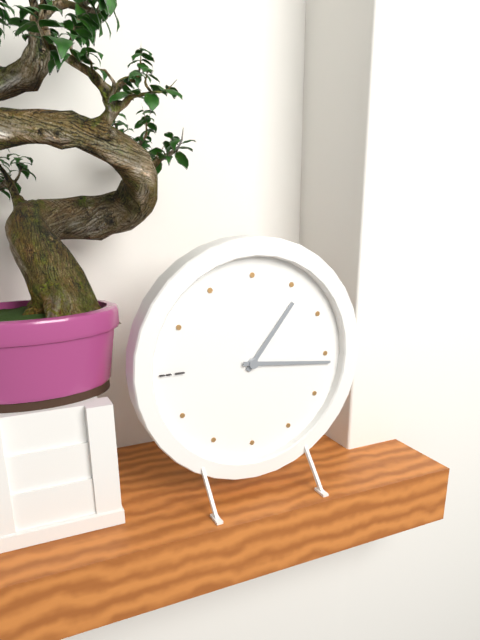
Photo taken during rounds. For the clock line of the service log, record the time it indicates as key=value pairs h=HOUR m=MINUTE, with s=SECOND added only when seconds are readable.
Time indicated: h=1 m=16
